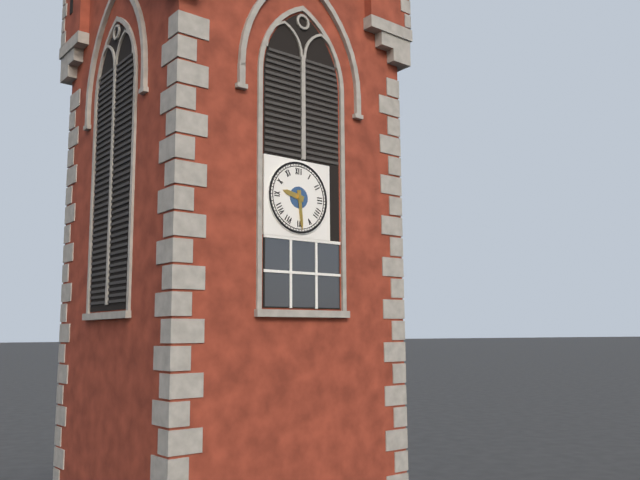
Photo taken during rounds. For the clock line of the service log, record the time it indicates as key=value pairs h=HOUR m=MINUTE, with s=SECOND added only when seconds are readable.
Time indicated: h=9 m=29
